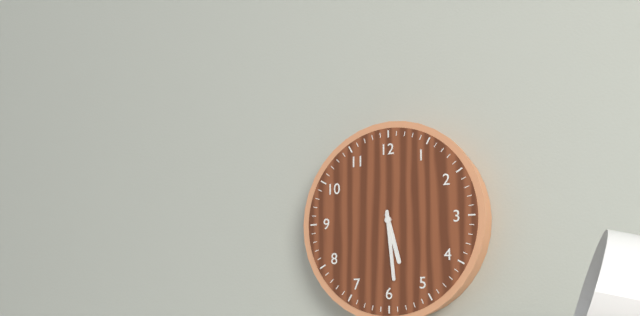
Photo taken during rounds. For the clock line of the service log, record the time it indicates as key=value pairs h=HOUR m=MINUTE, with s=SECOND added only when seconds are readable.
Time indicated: h=5 m=29
